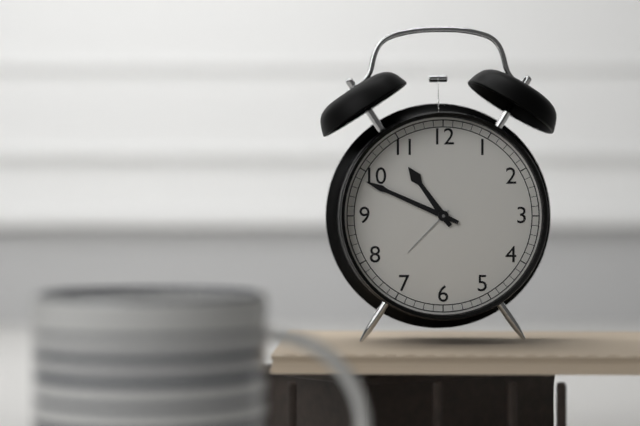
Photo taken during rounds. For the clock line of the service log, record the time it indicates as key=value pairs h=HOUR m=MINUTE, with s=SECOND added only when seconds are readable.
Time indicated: h=10 m=49
